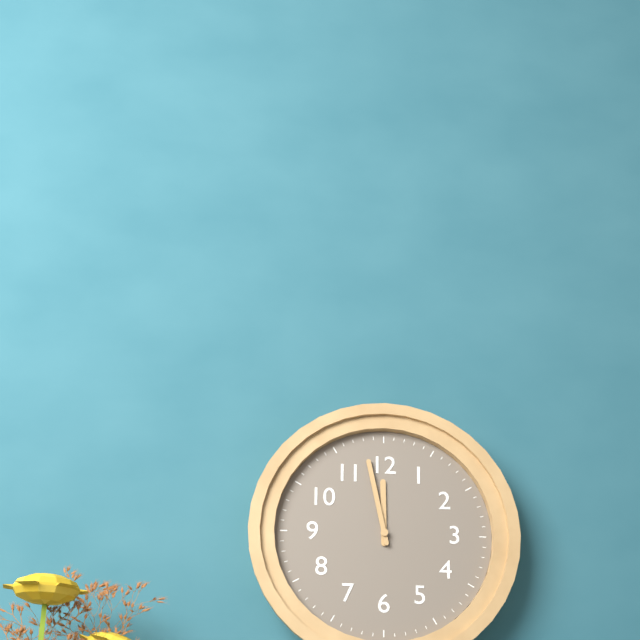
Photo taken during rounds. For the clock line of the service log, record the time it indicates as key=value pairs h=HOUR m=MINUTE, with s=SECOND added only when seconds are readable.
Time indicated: h=11 m=58
